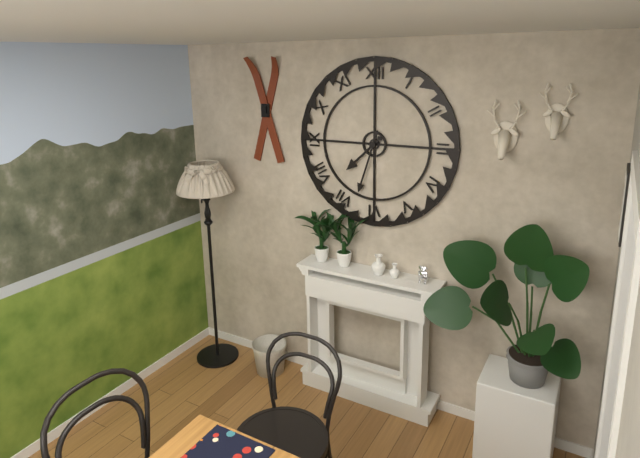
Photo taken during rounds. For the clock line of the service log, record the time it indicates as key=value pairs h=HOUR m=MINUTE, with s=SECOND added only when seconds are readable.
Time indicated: h=7 m=33
